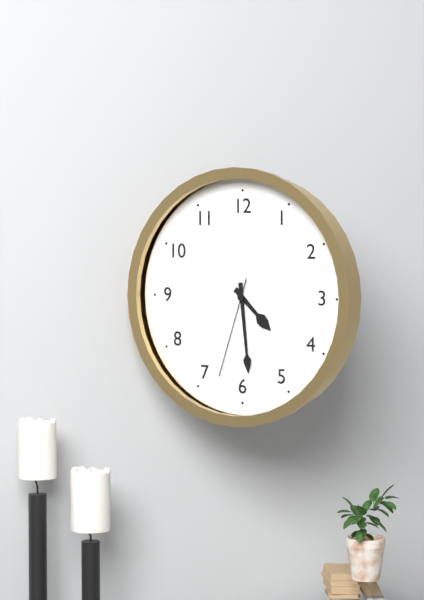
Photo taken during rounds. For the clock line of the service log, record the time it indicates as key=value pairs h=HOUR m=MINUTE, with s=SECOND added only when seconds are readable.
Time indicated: h=4 m=29 s=33
